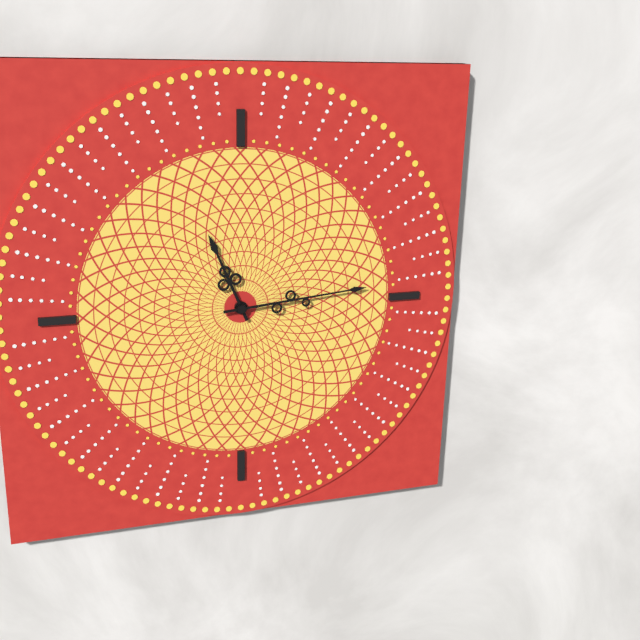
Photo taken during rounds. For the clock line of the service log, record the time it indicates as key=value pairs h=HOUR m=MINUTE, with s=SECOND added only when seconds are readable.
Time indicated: h=11 m=14
